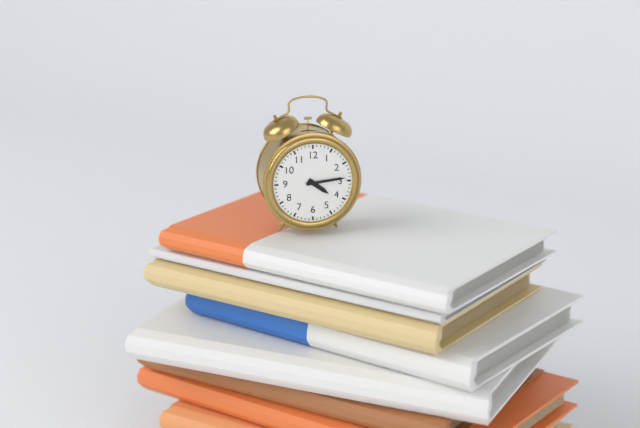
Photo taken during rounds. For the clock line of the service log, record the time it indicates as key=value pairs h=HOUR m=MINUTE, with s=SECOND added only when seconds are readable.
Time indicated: h=4 m=14
